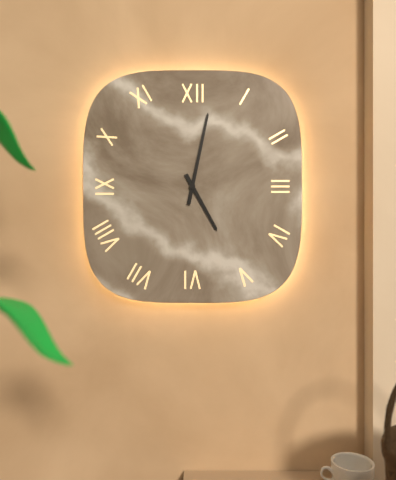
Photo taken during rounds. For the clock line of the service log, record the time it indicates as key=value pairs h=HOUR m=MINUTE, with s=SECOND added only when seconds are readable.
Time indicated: h=5 m=2
